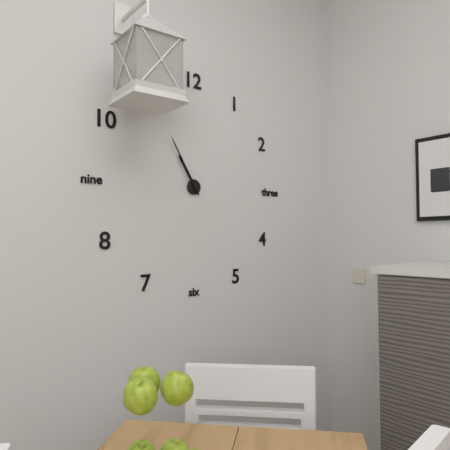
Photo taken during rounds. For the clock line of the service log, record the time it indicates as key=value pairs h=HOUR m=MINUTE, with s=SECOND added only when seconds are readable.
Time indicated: h=10 m=55
